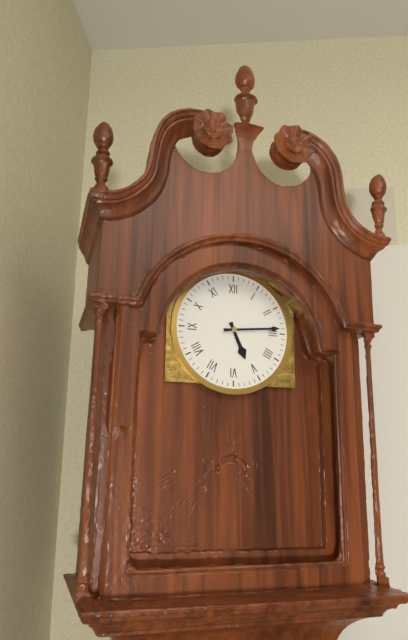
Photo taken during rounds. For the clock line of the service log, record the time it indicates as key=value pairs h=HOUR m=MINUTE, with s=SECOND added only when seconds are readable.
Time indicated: h=5 m=14
